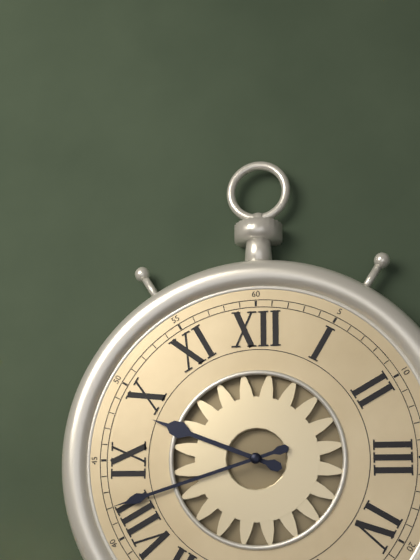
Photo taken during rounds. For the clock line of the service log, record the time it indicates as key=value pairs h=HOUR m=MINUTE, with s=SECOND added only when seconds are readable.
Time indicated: h=9 m=42
